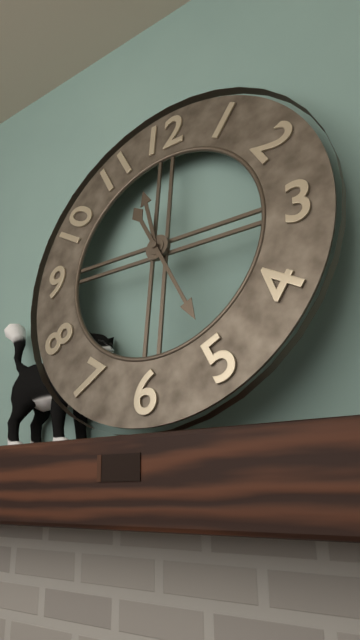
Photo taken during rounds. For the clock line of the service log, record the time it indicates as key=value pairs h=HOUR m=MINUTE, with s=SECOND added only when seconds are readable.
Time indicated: h=11 m=25
